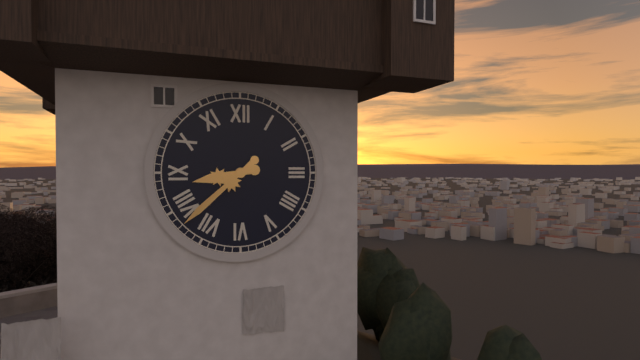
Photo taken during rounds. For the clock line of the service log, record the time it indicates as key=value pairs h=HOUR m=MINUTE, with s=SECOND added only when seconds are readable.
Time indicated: h=8 m=38
